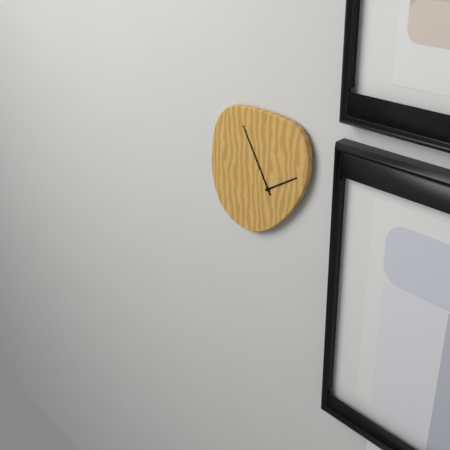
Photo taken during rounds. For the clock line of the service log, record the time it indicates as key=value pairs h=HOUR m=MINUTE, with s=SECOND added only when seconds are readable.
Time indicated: h=1 m=55
